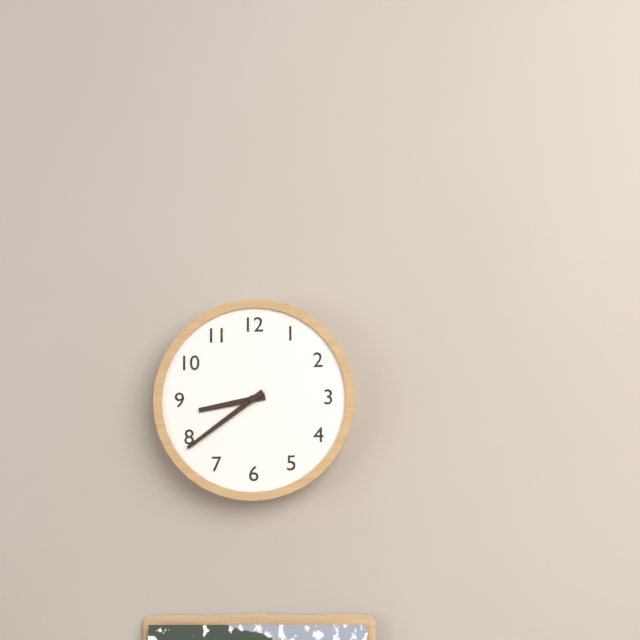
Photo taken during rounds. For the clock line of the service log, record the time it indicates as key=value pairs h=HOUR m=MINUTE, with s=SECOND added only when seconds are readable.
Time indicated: h=8 m=39
